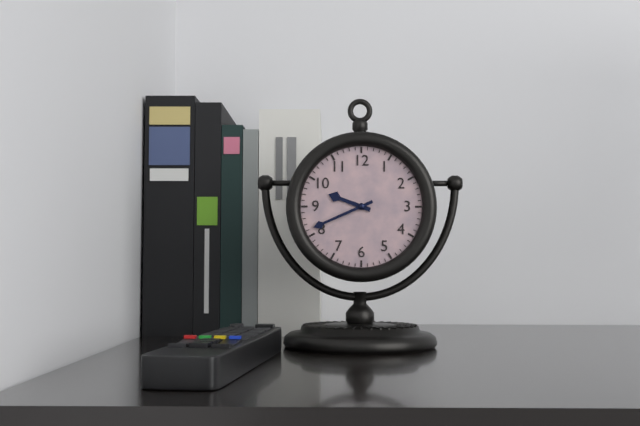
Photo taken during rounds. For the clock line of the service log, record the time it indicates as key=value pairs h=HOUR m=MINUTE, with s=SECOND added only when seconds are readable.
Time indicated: h=9 m=41
